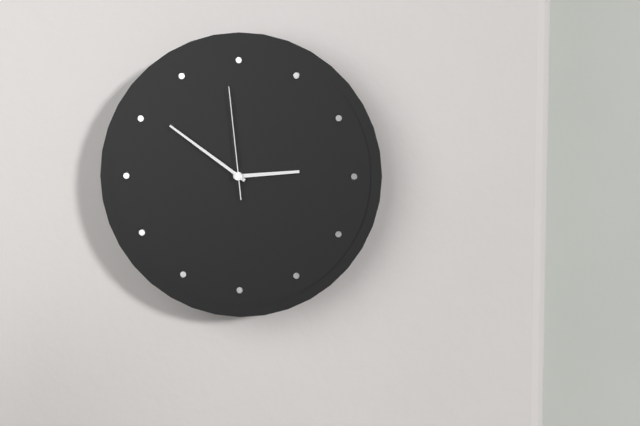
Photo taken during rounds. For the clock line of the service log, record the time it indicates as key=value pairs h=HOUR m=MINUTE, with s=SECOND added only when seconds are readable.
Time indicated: h=2 m=51 s=59
